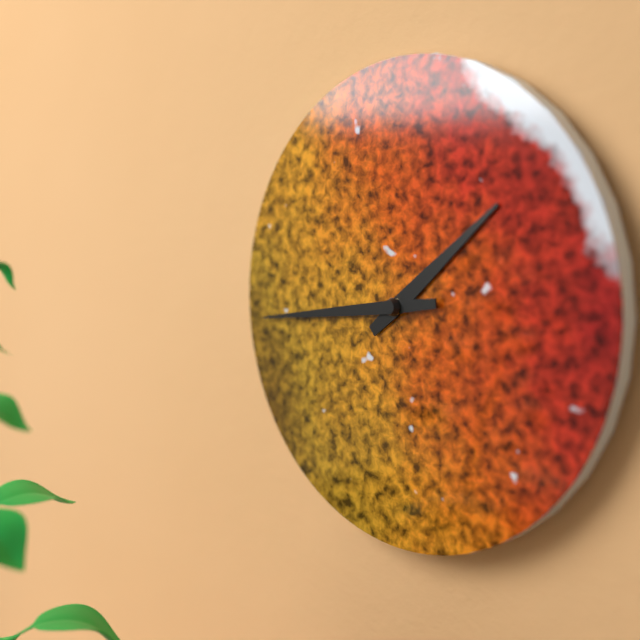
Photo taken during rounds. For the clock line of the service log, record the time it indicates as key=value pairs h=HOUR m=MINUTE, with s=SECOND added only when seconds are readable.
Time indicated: h=1 m=44
